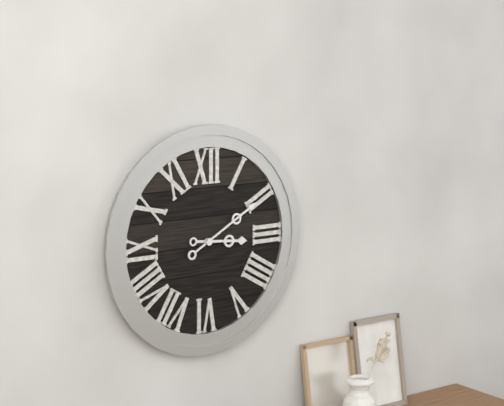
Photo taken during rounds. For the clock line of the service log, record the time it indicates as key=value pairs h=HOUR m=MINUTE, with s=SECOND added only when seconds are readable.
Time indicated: h=3 m=10
